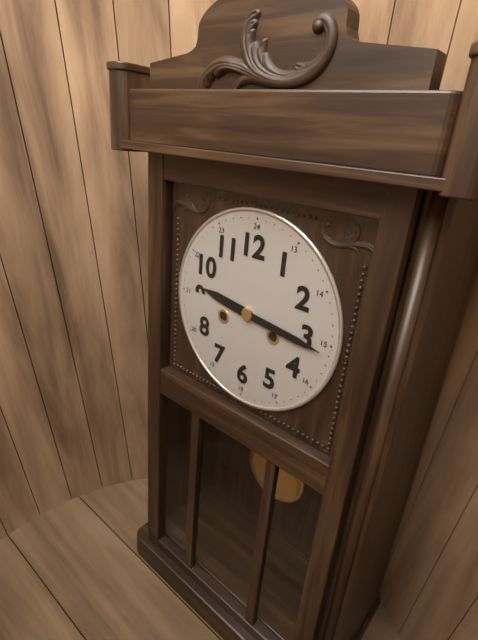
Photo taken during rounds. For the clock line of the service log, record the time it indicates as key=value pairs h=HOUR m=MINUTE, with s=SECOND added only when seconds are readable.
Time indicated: h=9 m=16
